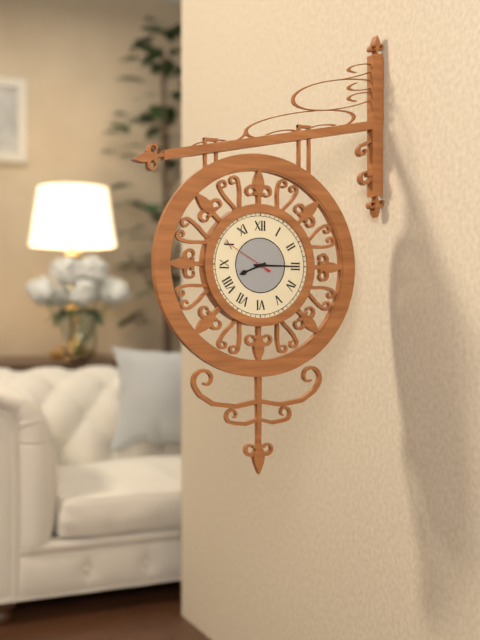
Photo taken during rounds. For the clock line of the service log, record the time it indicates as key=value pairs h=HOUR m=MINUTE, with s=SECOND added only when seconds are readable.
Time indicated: h=8 m=15 s=50
